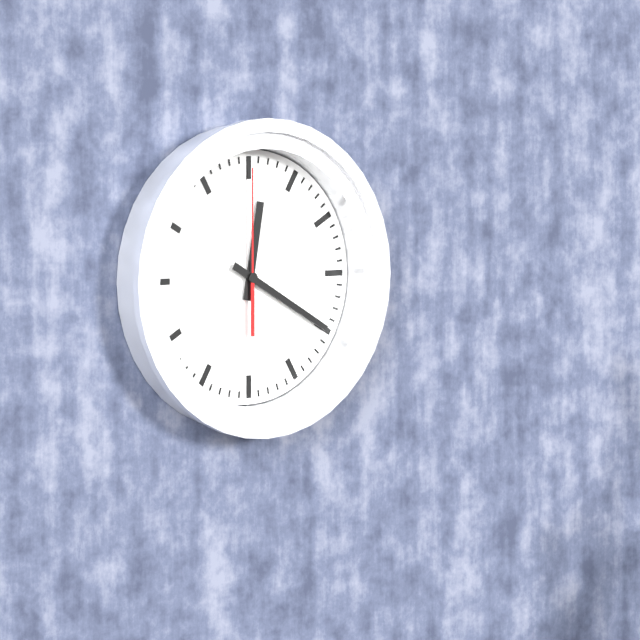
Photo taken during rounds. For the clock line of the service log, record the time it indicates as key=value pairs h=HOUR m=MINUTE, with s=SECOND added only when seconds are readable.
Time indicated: h=12 m=20 s=0
